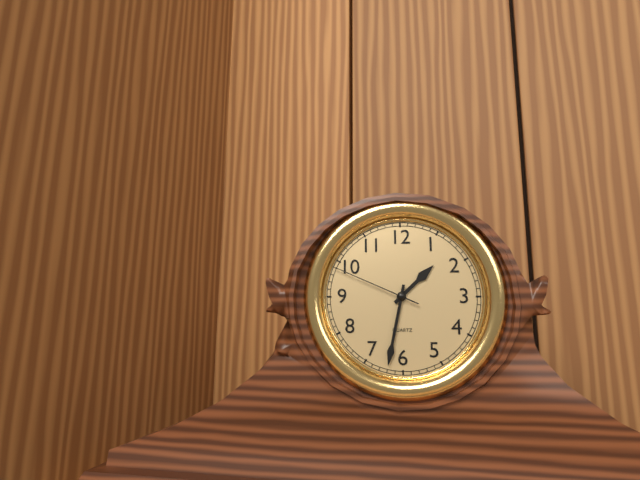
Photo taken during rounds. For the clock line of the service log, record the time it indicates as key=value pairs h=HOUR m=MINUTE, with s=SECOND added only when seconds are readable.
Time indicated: h=1 m=32 s=49
